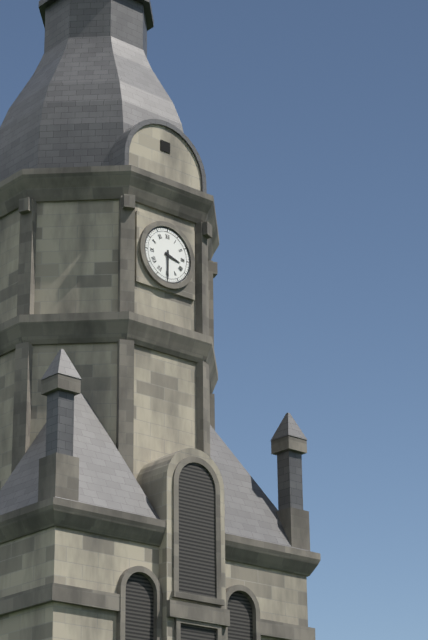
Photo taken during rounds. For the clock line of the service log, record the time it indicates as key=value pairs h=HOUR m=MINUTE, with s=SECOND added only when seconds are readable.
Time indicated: h=3 m=30
